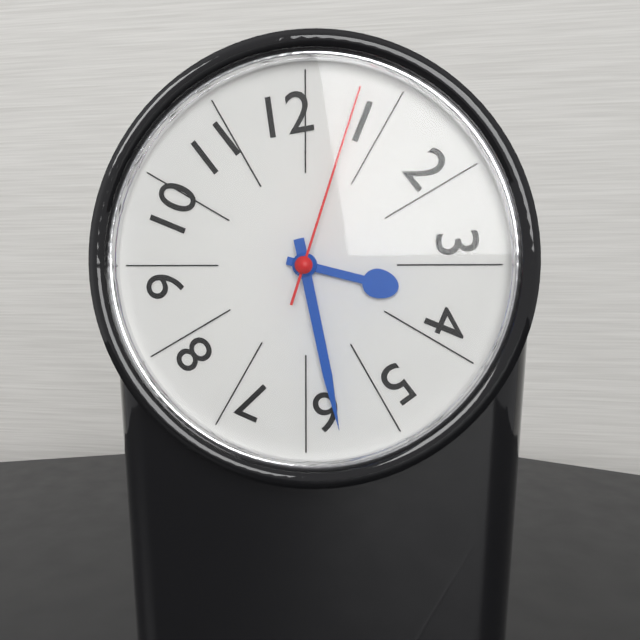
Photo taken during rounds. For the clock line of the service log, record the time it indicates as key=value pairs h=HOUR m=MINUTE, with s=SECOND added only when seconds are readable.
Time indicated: h=3 m=28 s=3
